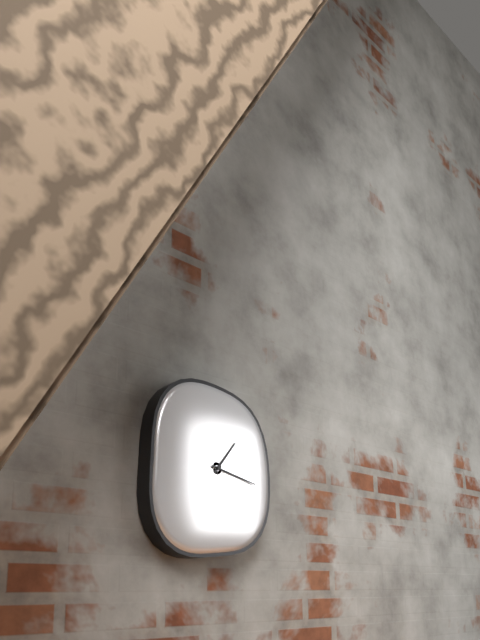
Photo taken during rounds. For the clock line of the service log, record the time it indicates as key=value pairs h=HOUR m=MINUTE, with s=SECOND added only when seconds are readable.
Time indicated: h=1 m=17
